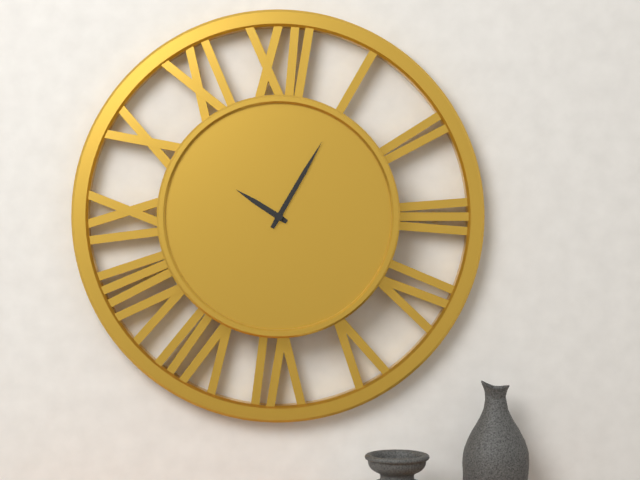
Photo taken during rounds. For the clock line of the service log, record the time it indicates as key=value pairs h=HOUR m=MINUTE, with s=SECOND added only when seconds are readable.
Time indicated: h=10 m=5
